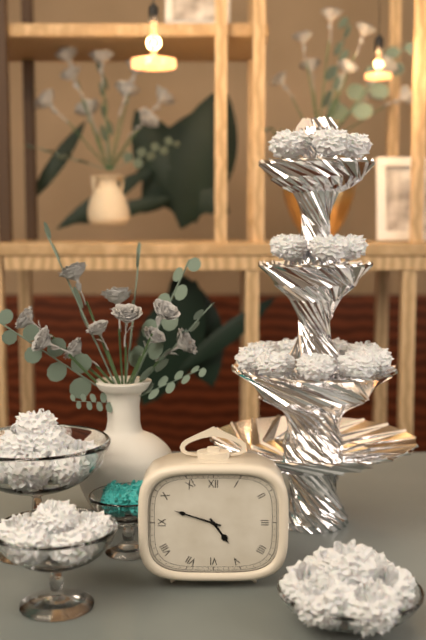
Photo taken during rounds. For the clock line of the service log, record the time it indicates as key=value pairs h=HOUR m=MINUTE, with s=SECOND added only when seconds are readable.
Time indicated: h=4 m=48
